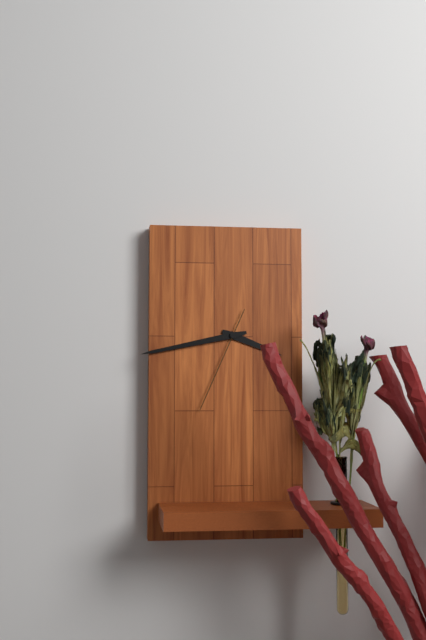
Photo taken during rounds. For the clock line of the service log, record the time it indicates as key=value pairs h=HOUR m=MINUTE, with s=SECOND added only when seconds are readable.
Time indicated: h=3 m=43 s=34
